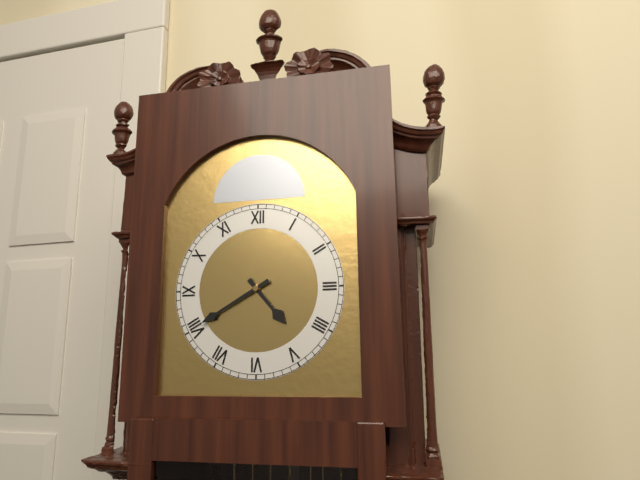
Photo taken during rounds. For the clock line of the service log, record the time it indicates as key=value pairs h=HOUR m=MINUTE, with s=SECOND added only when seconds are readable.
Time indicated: h=4 m=40
